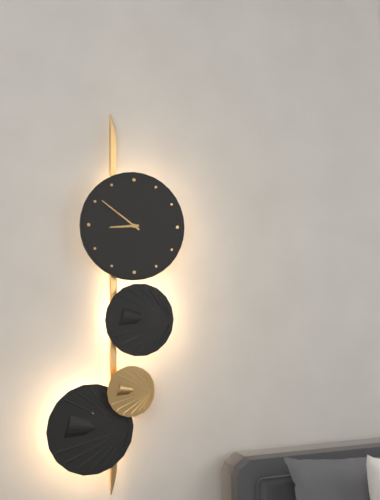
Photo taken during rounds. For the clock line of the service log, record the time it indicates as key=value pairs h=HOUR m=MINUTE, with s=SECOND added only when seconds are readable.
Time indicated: h=8 m=51
